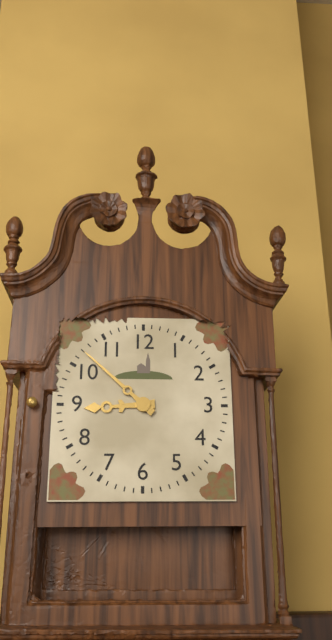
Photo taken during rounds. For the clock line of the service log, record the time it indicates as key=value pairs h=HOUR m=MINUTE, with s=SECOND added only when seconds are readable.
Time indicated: h=8 m=52
